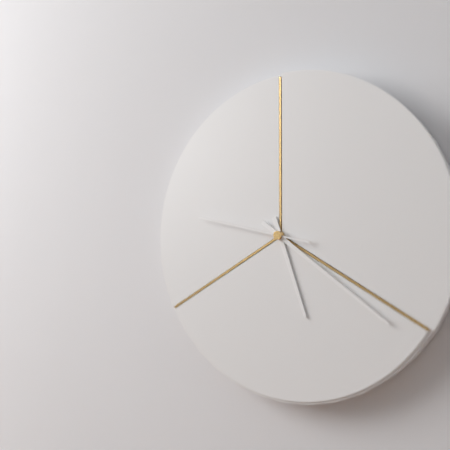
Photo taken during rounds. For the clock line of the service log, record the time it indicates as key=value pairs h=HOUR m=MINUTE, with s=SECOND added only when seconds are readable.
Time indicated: h=5 m=21 s=47
